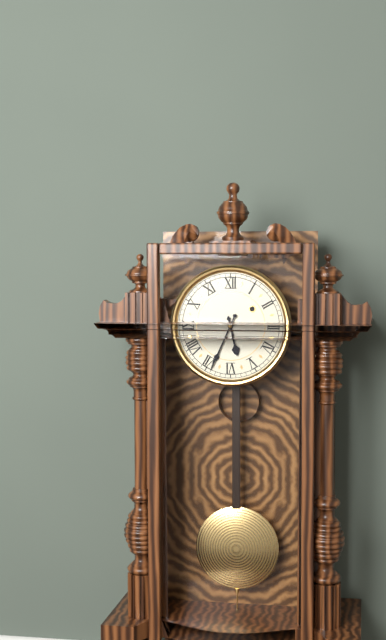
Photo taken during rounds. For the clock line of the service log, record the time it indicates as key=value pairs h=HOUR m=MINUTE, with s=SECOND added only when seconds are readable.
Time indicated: h=5 m=34
